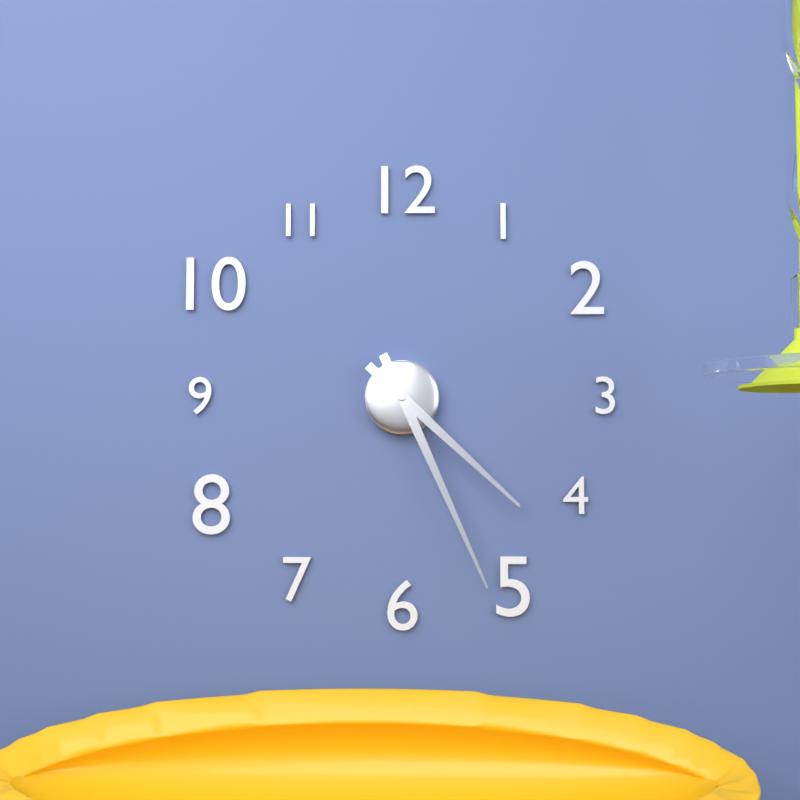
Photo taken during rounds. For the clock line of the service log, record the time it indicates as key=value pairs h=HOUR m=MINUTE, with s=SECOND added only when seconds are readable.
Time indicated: h=4 m=26
